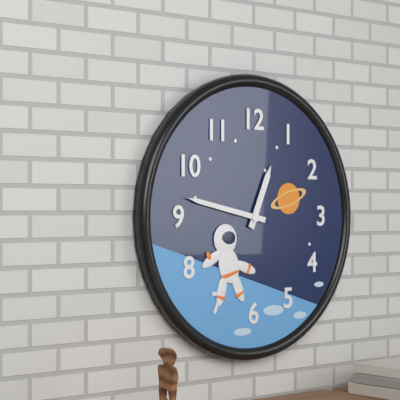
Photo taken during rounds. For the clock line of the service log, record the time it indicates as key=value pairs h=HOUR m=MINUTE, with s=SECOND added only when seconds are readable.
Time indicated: h=12 m=47
